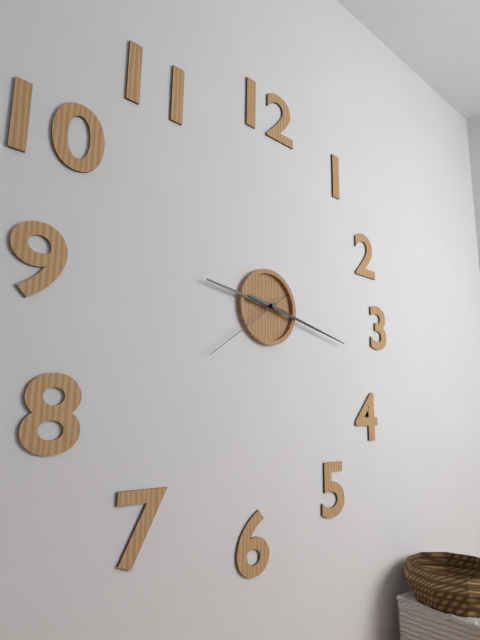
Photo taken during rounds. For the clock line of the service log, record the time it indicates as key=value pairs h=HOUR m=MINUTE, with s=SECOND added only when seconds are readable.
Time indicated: h=9 m=17 s=39
